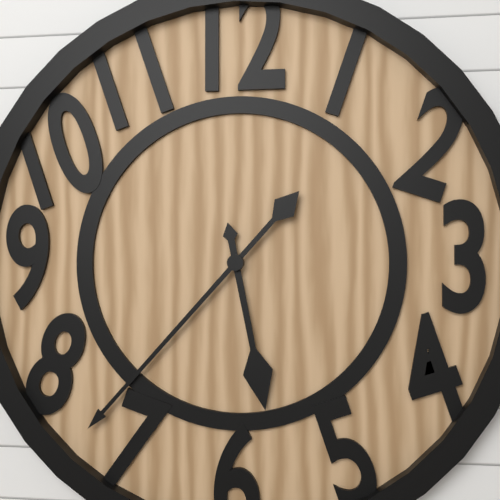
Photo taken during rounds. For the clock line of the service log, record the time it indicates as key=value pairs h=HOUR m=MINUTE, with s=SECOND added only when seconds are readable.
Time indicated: h=5 m=37
